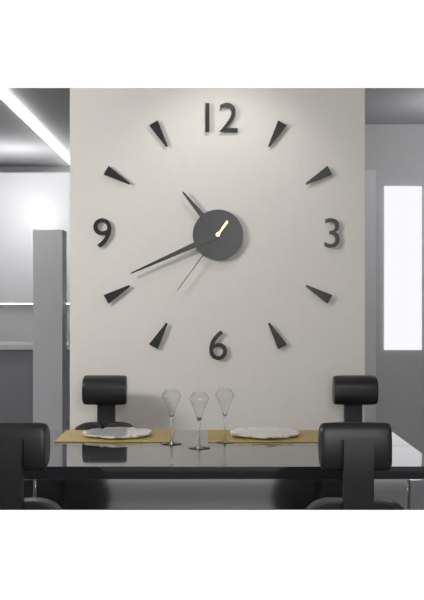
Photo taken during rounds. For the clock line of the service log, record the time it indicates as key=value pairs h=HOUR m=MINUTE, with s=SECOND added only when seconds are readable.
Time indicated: h=10 m=41 s=36
